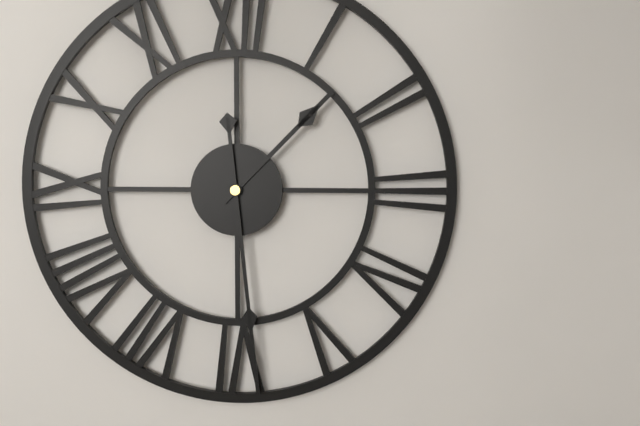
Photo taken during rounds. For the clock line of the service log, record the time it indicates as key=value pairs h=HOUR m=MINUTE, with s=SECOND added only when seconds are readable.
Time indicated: h=1 m=29
